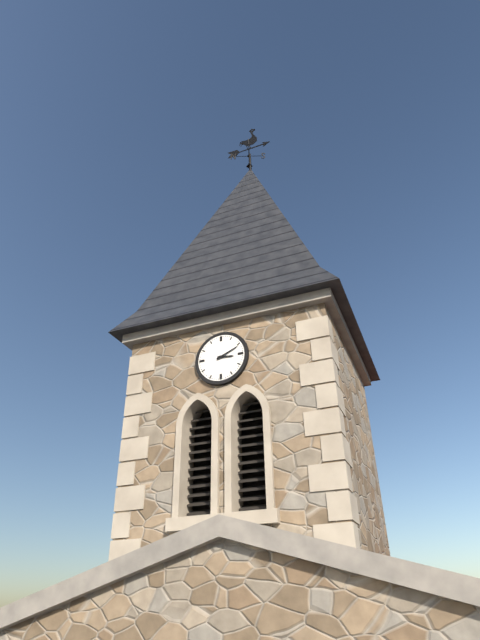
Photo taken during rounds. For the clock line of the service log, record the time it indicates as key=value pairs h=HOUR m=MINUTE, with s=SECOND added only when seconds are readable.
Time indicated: h=3 m=11
